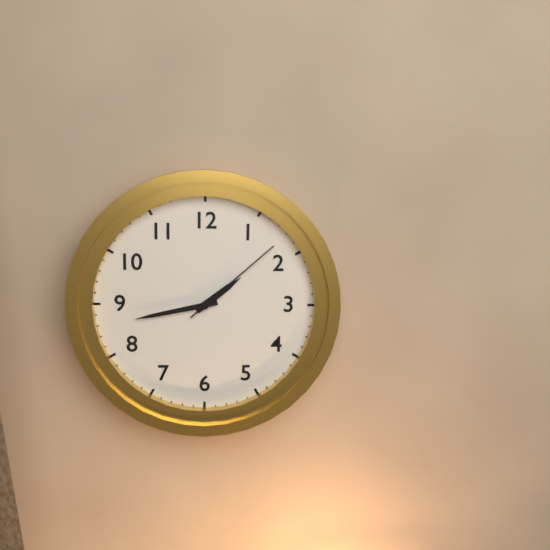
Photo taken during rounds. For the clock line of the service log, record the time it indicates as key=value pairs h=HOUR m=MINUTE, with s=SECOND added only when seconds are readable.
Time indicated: h=1 m=43 s=8
